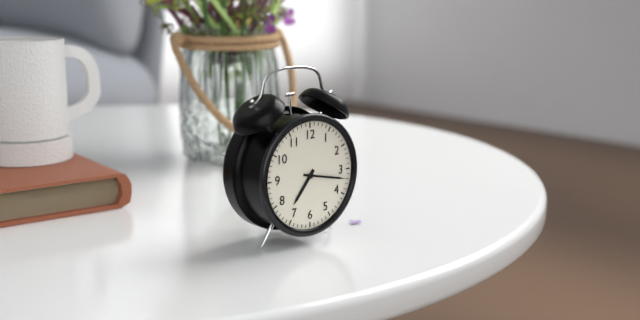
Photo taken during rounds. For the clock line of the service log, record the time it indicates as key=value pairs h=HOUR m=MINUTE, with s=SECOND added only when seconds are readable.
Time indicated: h=7 m=17
